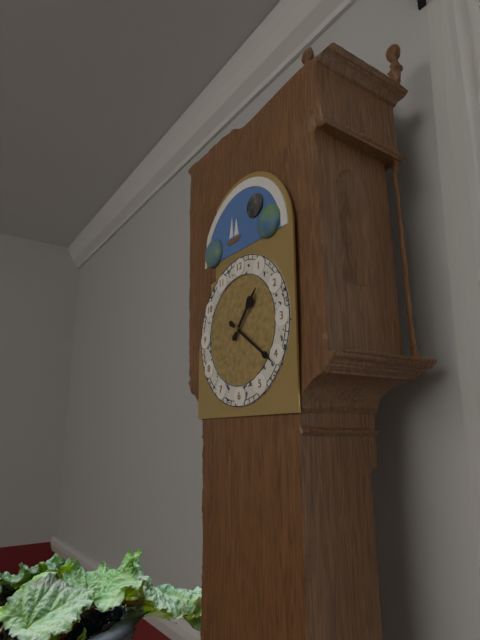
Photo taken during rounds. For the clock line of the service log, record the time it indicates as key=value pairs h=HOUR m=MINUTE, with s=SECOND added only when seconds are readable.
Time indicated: h=1 m=21
